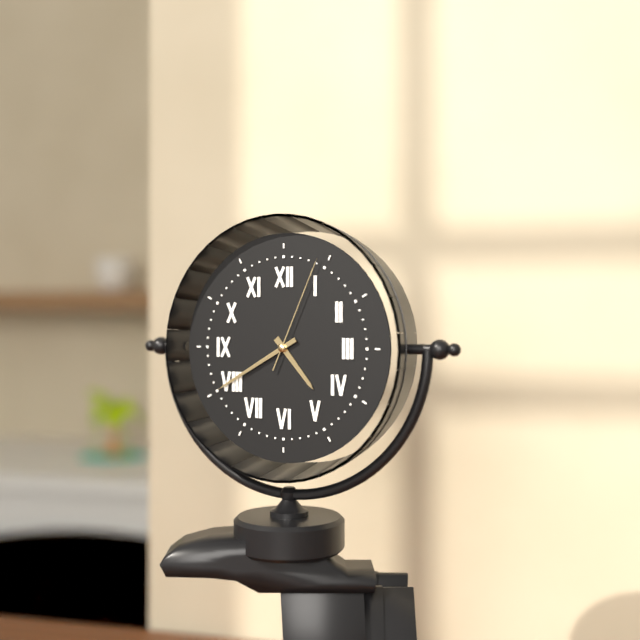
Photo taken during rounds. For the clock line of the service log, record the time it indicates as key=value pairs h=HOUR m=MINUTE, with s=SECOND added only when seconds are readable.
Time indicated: h=4 m=40 s=4
